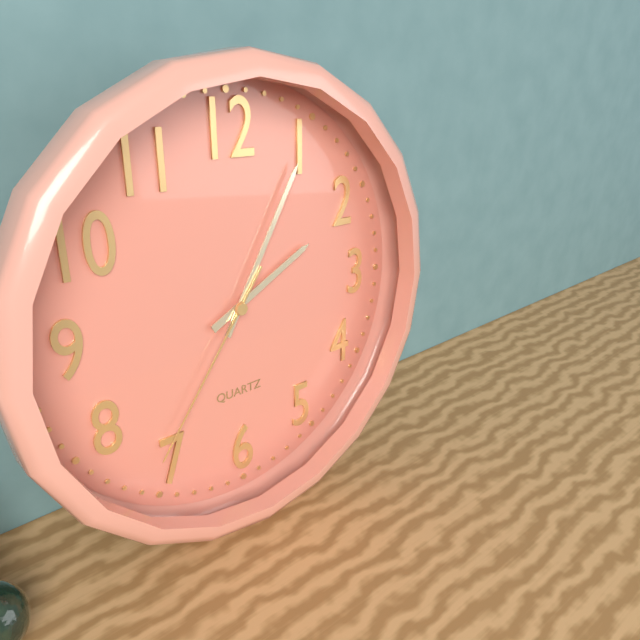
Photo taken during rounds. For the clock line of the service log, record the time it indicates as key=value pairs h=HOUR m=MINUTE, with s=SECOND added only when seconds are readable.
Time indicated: h=2 m=5 s=36
